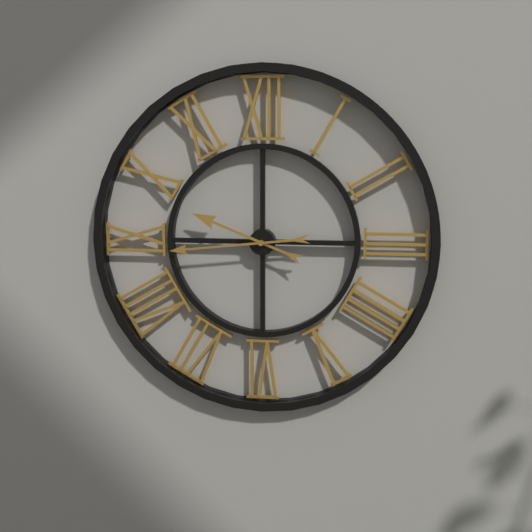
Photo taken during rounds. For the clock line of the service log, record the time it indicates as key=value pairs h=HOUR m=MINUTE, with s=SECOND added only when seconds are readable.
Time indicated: h=9 m=44
